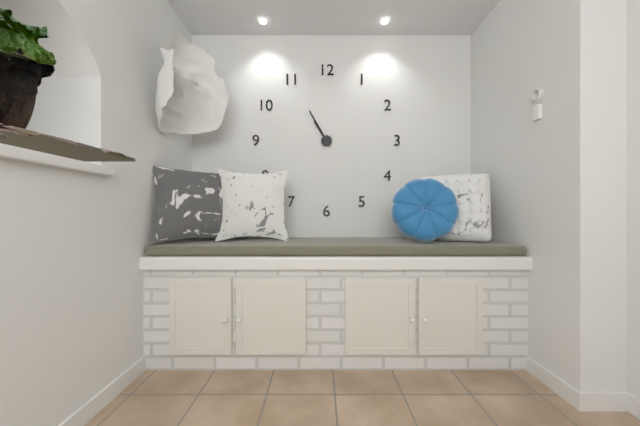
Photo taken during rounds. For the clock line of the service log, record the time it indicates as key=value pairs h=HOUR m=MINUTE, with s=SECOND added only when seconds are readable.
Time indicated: h=10 m=55
